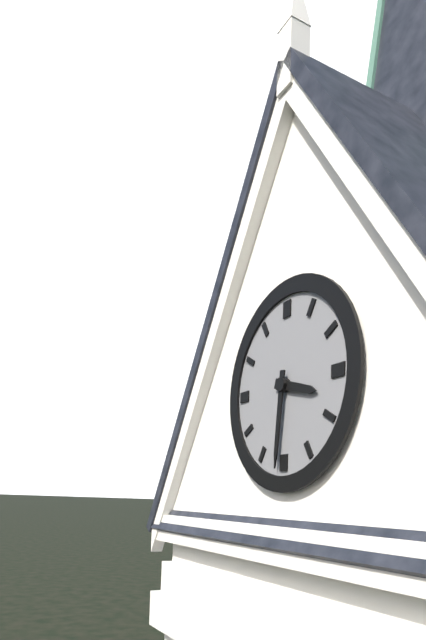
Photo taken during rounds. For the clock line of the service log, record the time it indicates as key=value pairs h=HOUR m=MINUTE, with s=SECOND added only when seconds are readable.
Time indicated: h=3 m=31
